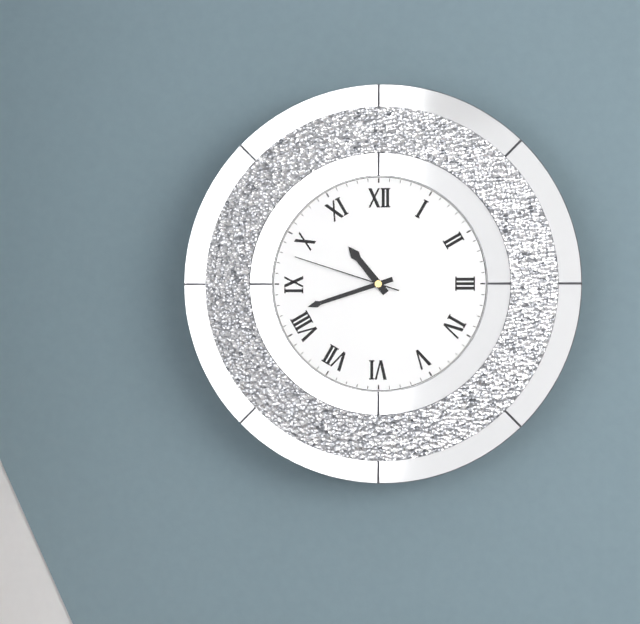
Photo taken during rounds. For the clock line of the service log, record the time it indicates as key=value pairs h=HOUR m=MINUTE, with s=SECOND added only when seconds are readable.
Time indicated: h=10 m=42 s=48
